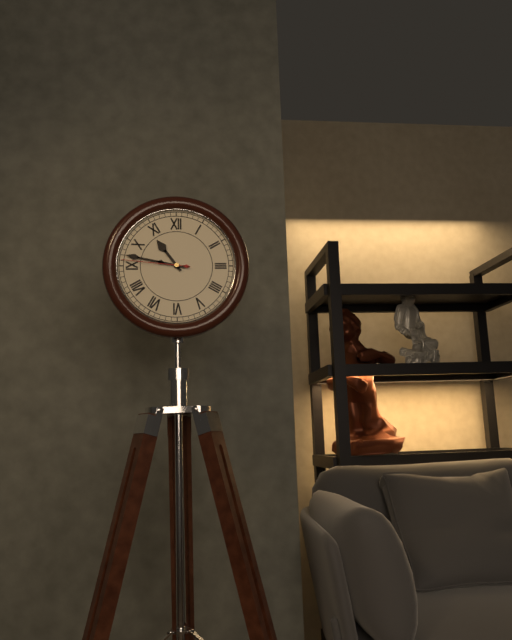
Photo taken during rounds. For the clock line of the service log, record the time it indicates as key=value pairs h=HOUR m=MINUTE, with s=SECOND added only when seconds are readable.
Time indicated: h=10 m=47 s=46
